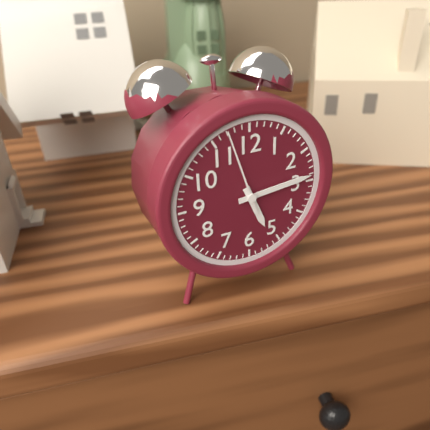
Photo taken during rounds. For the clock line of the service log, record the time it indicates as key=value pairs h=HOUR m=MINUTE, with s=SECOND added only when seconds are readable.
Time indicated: h=5 m=14 s=57
